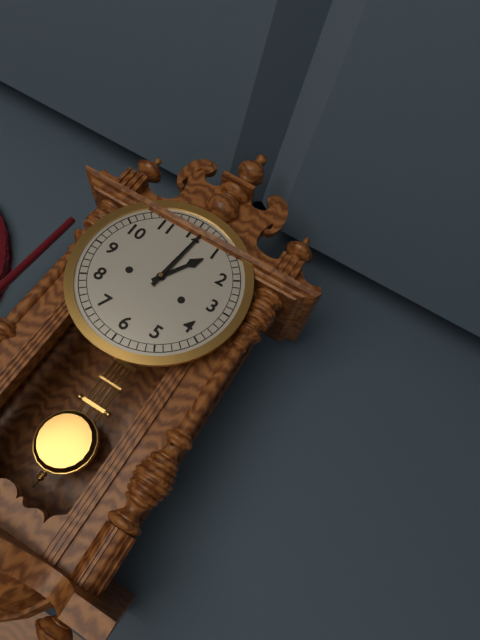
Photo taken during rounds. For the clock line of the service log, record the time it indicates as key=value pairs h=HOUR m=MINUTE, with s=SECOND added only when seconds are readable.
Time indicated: h=1 m=1
